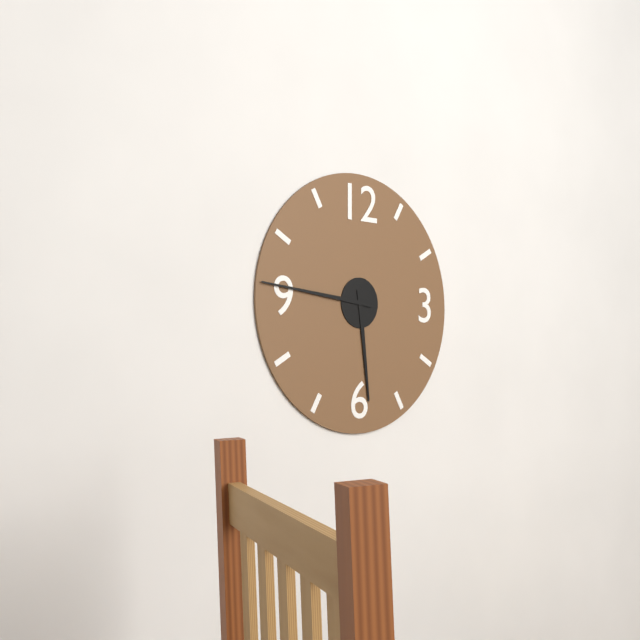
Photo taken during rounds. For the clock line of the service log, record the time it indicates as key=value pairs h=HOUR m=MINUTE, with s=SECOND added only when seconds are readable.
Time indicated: h=5 m=46
